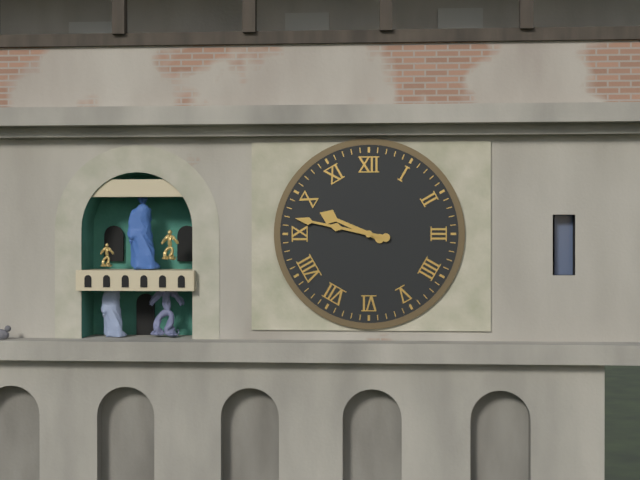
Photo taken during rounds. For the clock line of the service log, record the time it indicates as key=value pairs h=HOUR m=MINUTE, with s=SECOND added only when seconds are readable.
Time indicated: h=9 m=47
